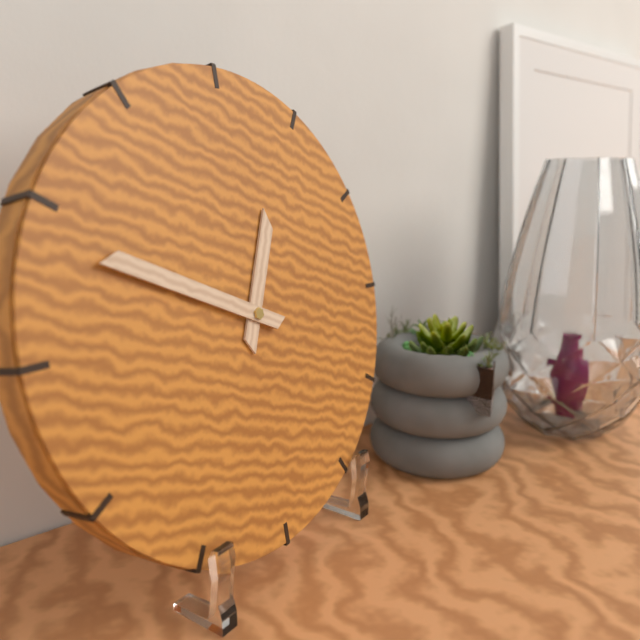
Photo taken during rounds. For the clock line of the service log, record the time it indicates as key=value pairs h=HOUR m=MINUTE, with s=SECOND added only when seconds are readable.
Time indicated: h=12 m=49
